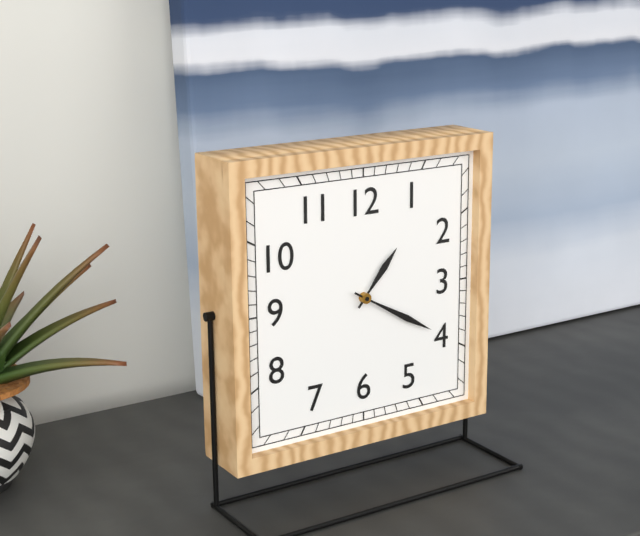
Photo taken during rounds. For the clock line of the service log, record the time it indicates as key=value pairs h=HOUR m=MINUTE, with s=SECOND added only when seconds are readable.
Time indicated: h=1 m=20
